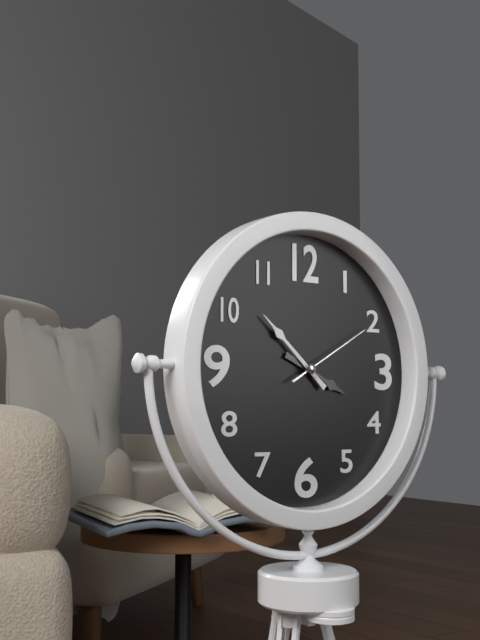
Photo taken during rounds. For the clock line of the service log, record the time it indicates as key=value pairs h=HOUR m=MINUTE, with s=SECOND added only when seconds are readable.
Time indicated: h=3 m=52 s=10
